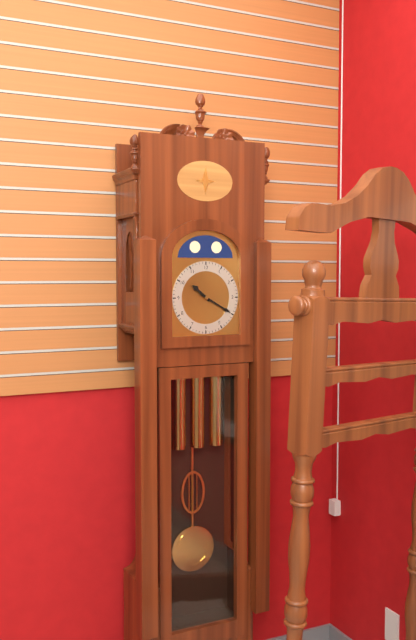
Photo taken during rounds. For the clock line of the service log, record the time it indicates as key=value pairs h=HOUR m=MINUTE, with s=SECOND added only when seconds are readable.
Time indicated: h=10 m=20
